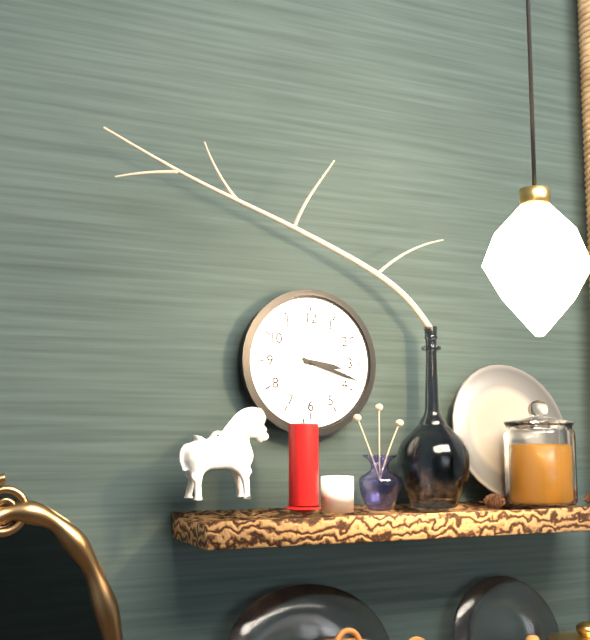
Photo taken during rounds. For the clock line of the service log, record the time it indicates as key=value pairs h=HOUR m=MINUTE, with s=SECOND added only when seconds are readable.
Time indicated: h=3 m=18
